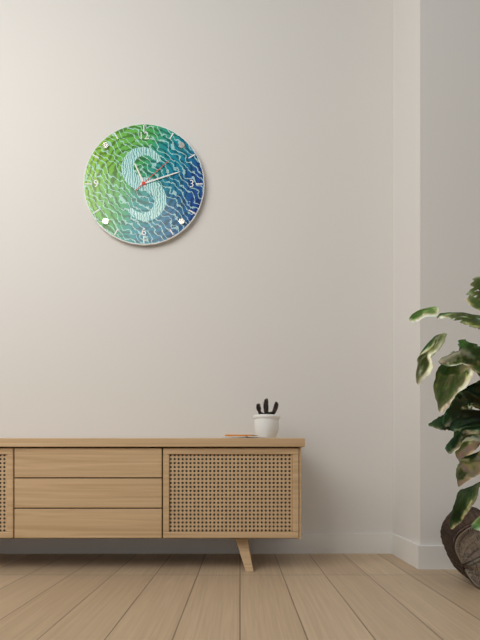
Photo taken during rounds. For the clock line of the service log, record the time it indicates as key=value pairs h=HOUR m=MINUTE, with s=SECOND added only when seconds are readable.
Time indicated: h=11 m=12
